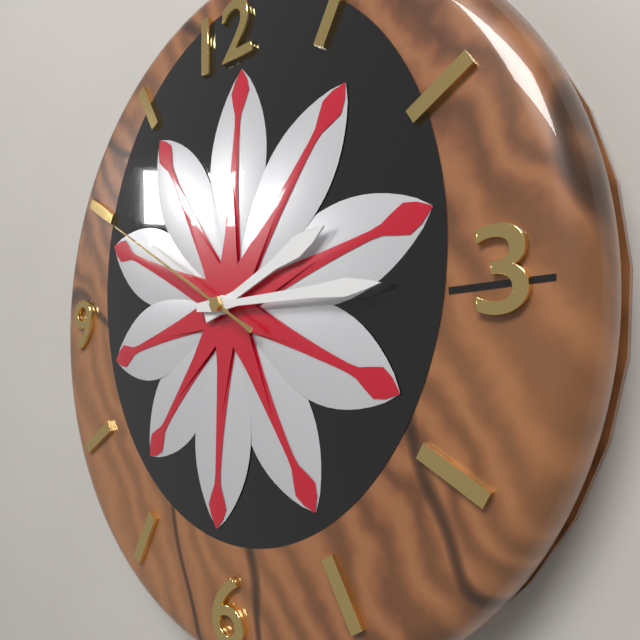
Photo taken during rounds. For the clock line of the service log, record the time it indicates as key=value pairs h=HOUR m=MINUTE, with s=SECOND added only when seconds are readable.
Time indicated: h=2 m=15 s=50
